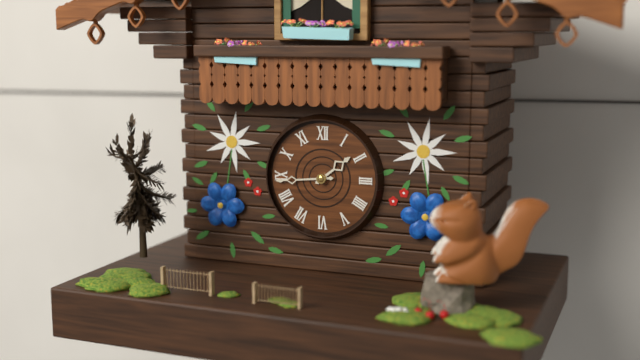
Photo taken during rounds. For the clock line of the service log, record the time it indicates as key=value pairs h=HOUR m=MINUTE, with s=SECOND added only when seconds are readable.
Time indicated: h=1 m=44
